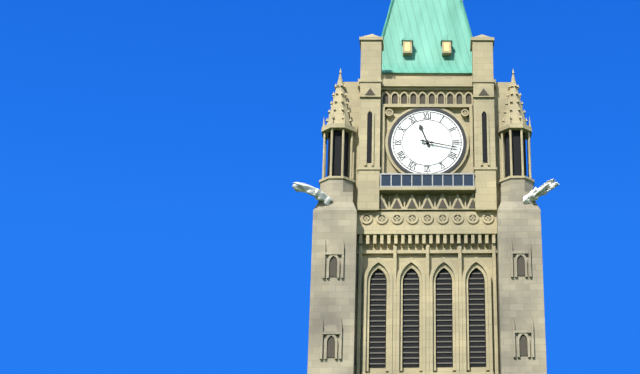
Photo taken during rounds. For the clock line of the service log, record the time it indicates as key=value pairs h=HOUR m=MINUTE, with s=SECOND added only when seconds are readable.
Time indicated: h=11 m=17
